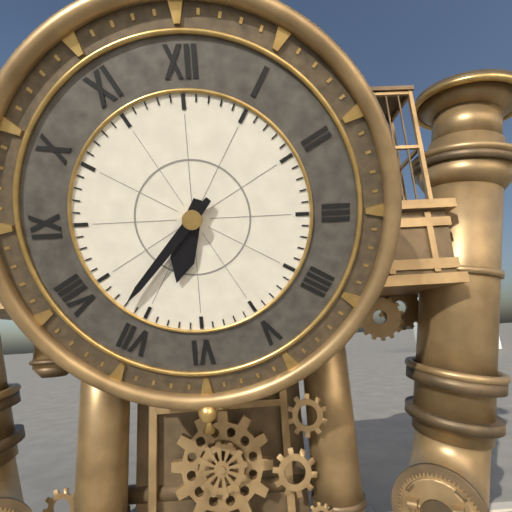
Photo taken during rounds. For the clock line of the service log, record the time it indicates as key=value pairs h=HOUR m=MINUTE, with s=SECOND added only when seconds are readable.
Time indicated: h=6 m=37
